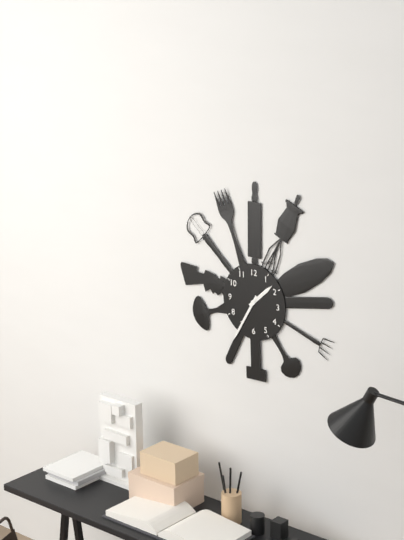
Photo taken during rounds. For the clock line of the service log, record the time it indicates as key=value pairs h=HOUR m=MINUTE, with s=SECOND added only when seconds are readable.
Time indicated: h=1 m=35
